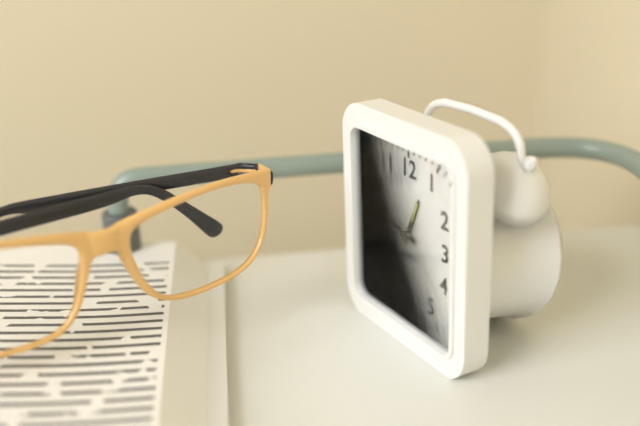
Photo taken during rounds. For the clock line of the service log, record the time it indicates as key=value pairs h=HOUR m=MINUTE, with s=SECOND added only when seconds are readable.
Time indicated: h=12 m=47 s=22
